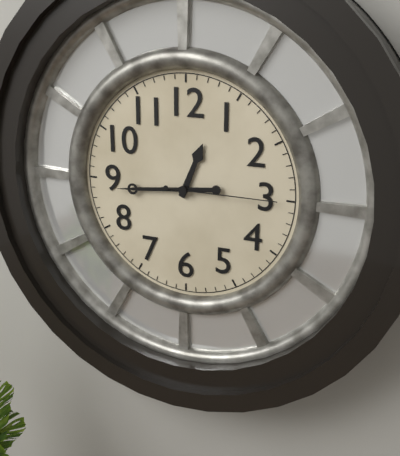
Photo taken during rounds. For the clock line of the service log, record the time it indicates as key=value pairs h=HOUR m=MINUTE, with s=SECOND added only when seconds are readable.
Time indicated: h=12 m=44 s=15
